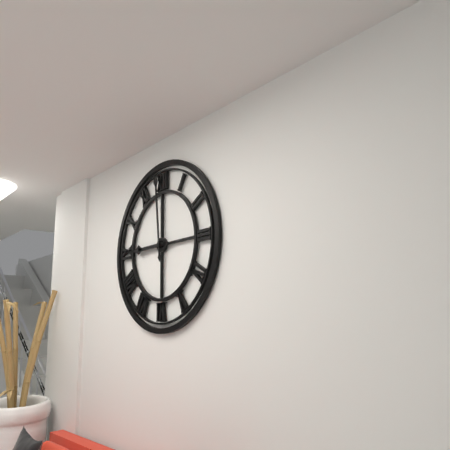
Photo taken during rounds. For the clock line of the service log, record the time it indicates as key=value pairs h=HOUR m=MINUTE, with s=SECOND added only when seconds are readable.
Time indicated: h=8 m=59
